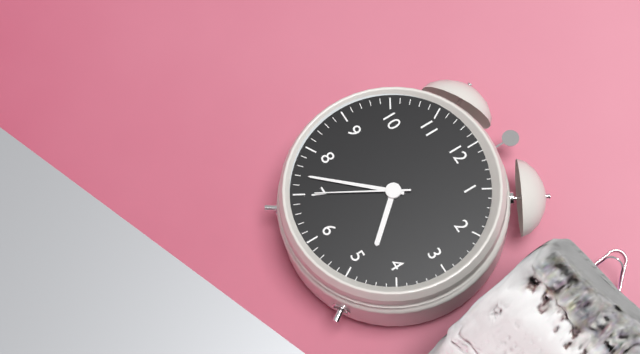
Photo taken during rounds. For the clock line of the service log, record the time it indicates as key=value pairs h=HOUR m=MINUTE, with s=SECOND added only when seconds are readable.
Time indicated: h=4 m=37 s=35
